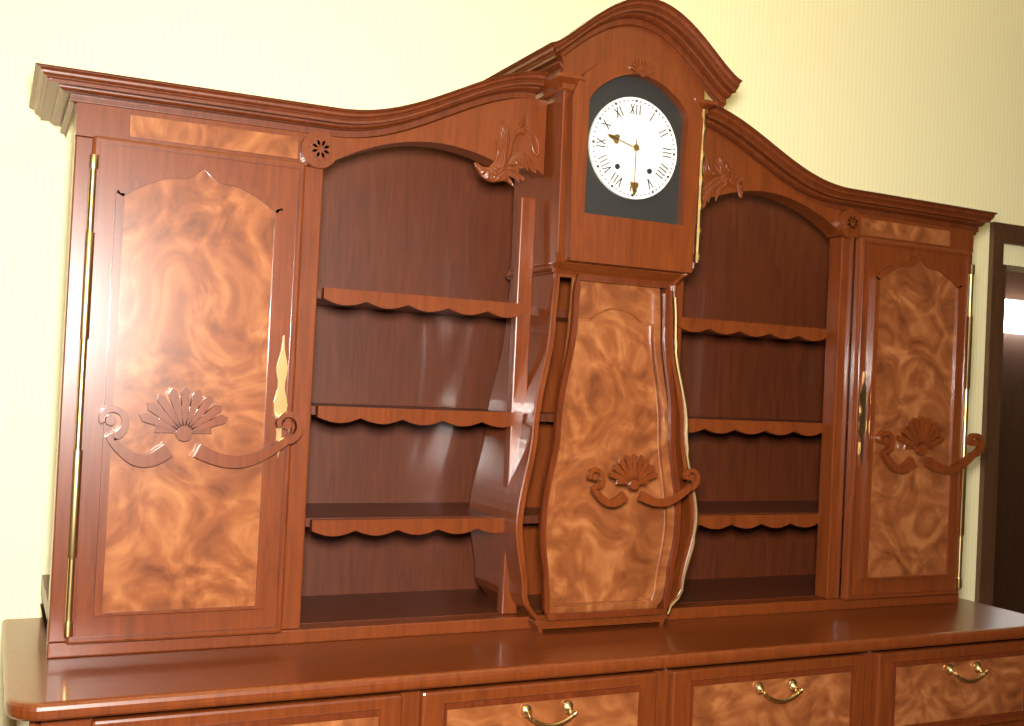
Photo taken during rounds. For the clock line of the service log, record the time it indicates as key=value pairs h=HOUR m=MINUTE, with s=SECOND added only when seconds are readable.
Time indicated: h=9 m=30
